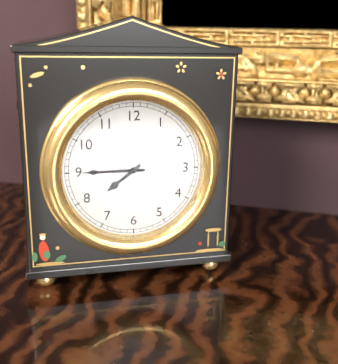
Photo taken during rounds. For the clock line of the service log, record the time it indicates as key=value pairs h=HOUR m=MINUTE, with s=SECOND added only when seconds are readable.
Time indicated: h=7 m=45
